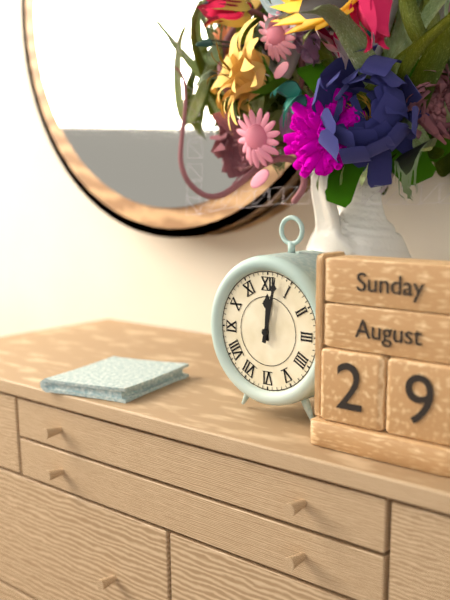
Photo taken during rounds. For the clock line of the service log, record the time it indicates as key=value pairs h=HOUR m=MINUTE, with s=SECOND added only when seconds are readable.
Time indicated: h=12 m=2
